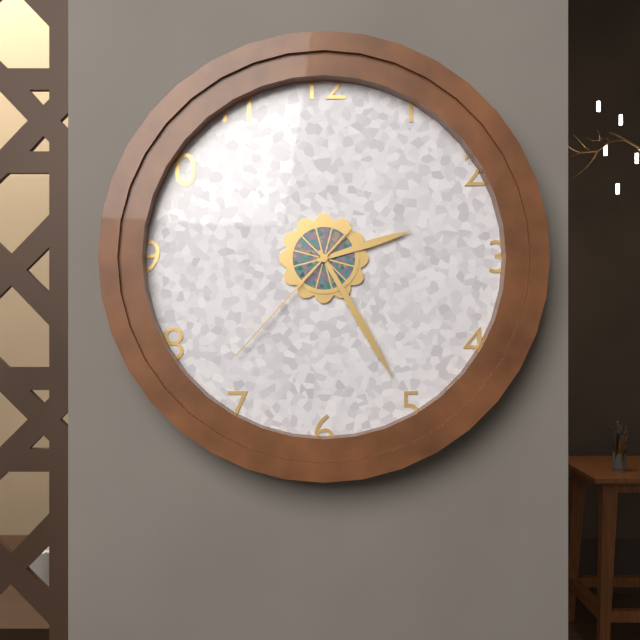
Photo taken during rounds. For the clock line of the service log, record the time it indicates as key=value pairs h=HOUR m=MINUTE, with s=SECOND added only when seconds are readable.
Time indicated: h=2 m=25 s=37
